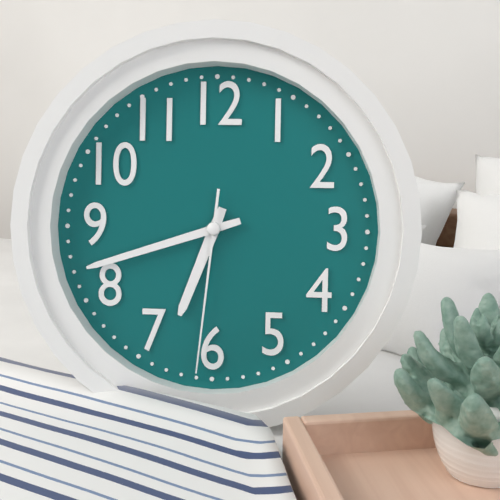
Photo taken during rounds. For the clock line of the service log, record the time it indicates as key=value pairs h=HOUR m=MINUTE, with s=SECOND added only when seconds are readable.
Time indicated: h=6 m=42 s=31
